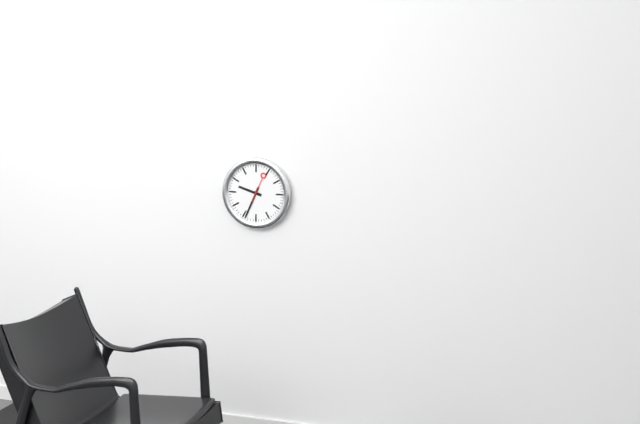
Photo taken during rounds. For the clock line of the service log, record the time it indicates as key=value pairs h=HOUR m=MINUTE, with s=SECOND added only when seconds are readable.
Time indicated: h=9 m=34
